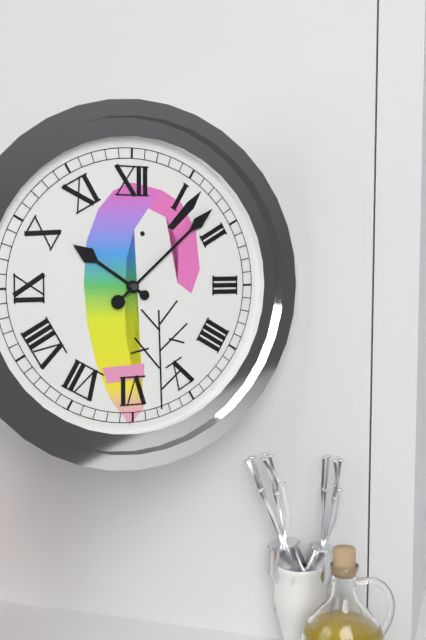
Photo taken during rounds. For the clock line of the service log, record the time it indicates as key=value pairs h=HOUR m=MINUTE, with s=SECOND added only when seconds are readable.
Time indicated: h=10 m=8
